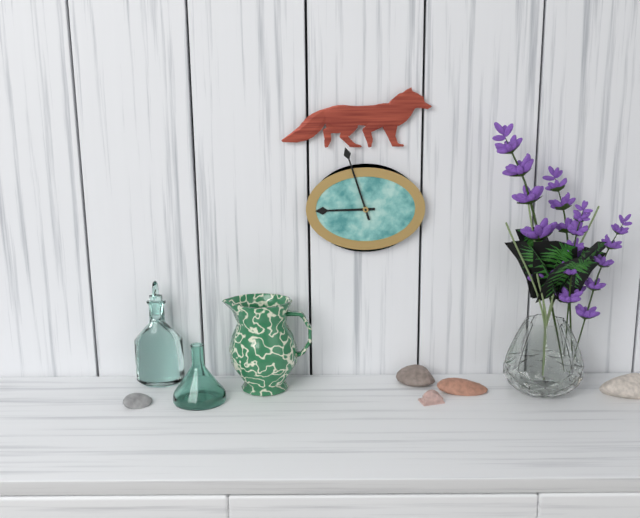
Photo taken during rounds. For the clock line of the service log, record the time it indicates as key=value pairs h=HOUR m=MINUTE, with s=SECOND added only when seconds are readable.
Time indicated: h=8 m=57
